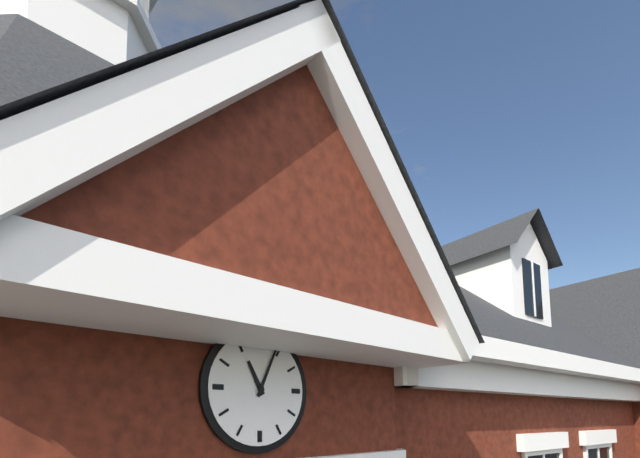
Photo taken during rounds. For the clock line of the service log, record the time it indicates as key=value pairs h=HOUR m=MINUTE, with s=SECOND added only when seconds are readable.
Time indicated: h=11 m=4
